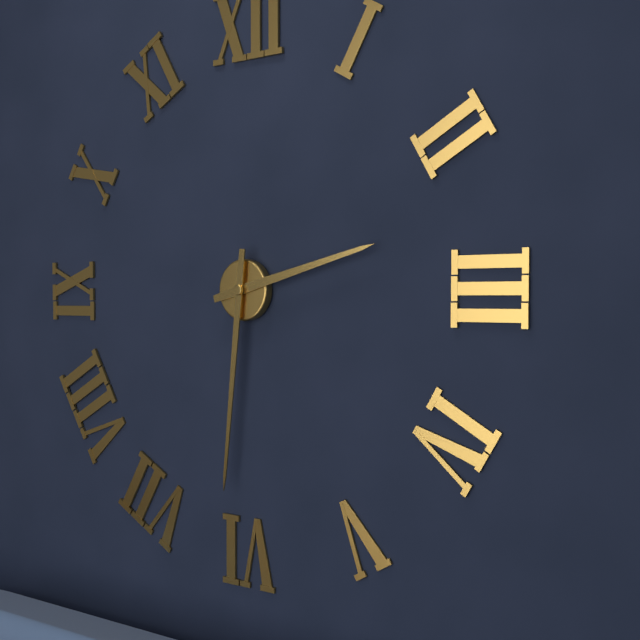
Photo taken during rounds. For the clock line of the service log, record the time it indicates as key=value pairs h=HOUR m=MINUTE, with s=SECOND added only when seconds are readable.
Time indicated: h=2 m=31
